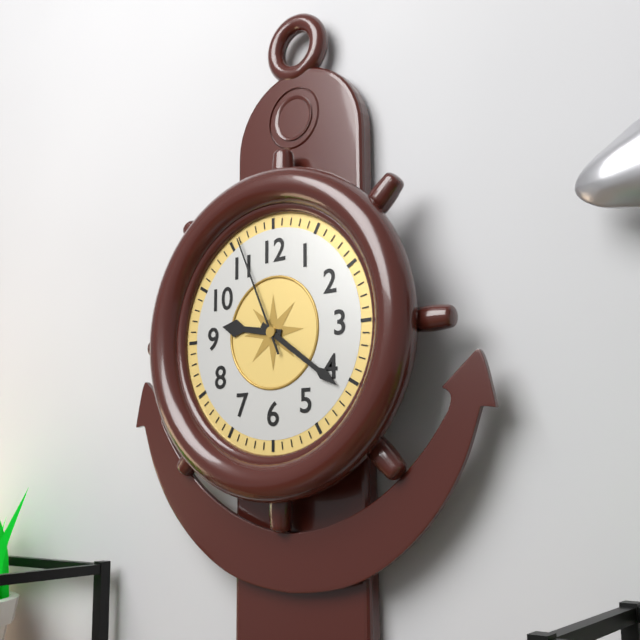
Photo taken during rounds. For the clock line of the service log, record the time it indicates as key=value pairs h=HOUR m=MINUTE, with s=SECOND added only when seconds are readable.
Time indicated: h=9 m=21 s=56
